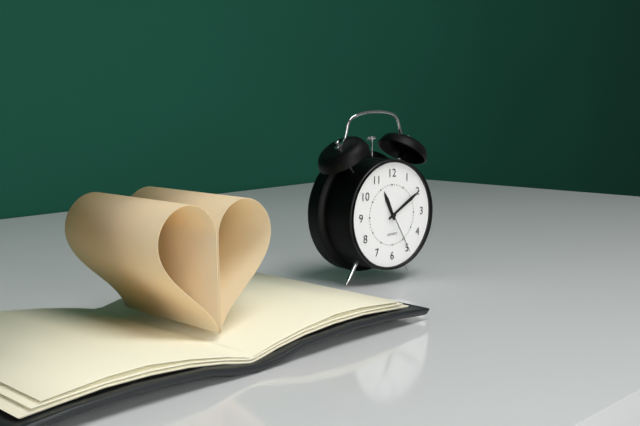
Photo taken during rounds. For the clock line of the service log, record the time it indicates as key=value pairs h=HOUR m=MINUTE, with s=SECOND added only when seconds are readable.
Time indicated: h=11 m=10
